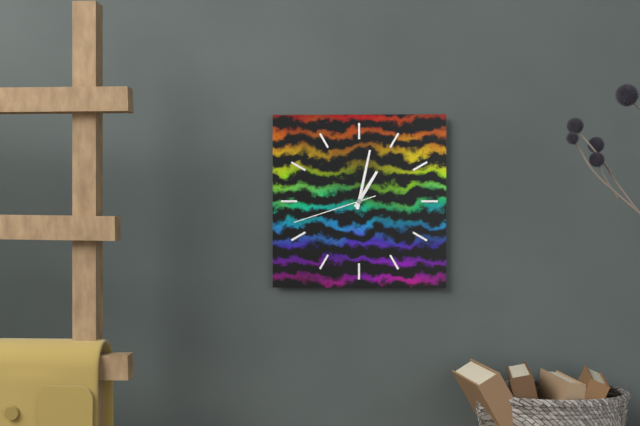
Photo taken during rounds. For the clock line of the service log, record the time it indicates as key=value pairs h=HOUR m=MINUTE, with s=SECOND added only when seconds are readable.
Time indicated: h=1 m=2 s=42
